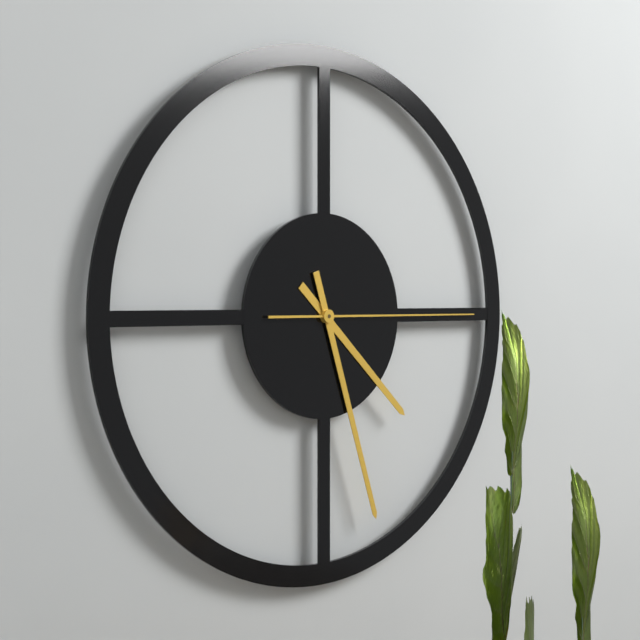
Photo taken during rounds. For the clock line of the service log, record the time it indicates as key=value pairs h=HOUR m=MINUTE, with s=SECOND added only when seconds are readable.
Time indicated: h=4 m=27 s=15
